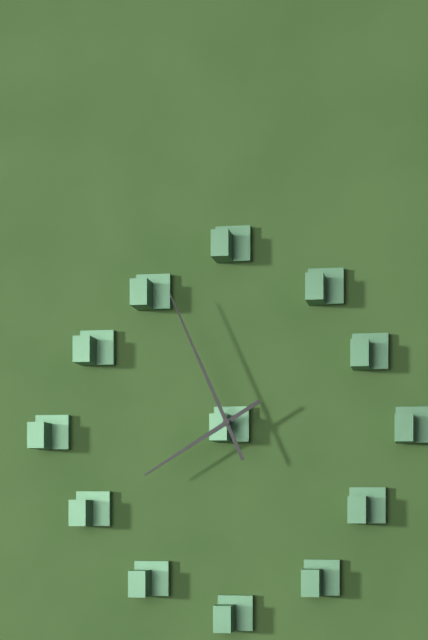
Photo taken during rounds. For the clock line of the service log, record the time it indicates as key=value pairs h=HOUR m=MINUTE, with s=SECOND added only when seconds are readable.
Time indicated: h=7 m=56
